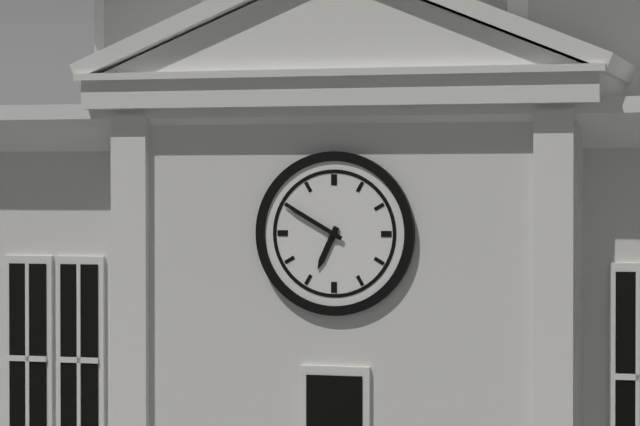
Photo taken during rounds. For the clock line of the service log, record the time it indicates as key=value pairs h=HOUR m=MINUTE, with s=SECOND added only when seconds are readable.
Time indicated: h=6 m=50
